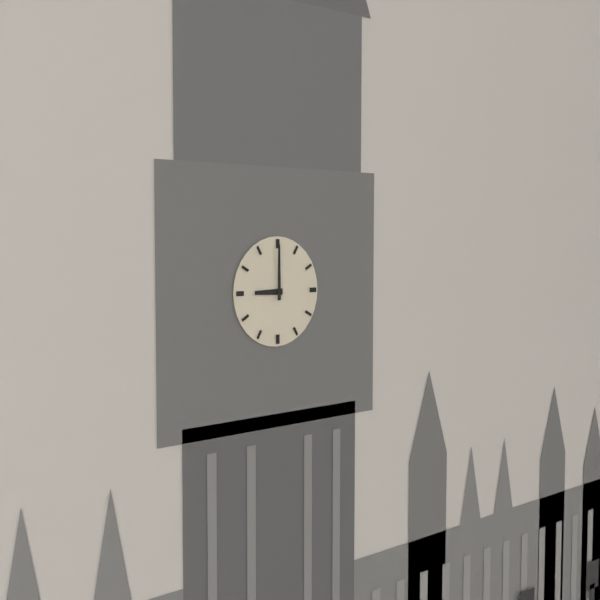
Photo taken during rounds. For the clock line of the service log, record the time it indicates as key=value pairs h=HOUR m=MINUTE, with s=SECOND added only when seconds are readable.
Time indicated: h=9 m=0
